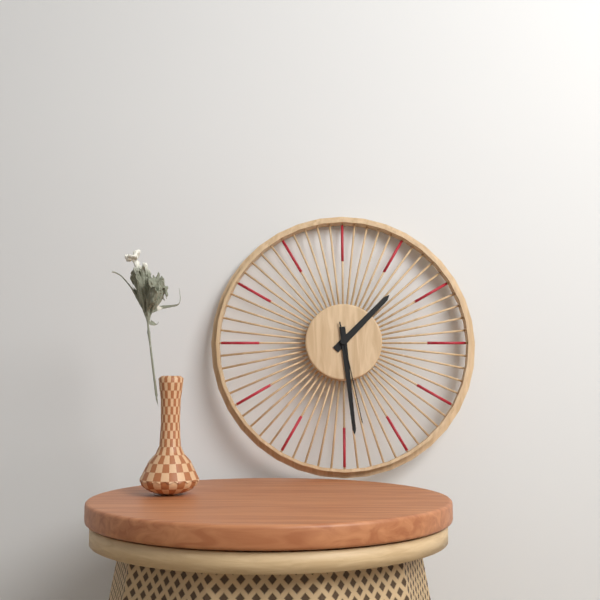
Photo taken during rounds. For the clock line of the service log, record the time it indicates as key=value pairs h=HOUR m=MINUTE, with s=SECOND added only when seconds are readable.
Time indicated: h=1 m=29 s=28
